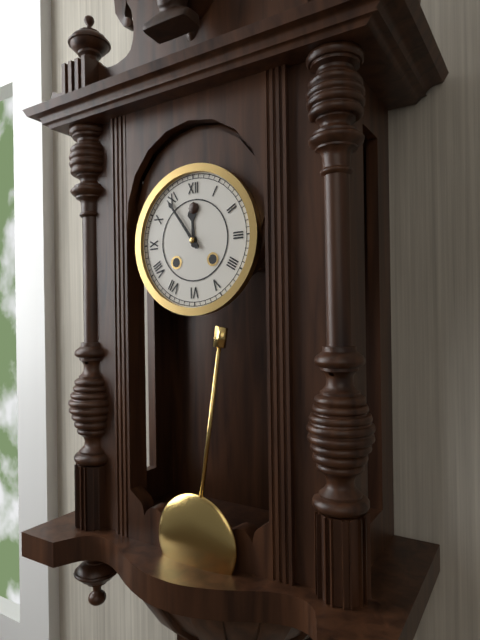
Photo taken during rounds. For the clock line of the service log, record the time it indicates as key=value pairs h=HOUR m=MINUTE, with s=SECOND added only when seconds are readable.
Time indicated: h=11 m=54
